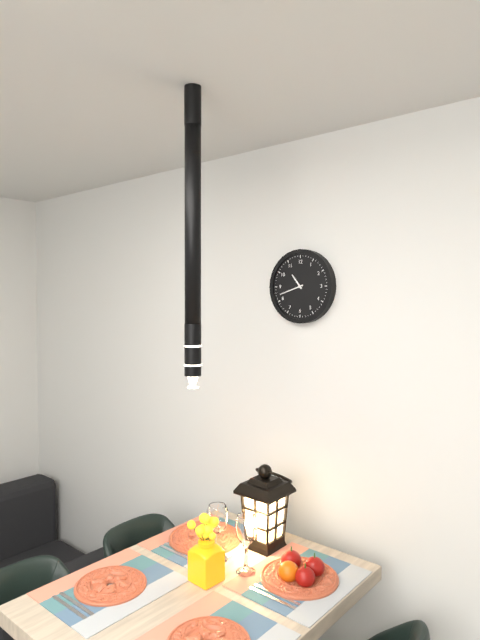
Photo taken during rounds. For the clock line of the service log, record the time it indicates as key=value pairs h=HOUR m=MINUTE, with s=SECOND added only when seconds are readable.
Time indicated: h=10 m=42
